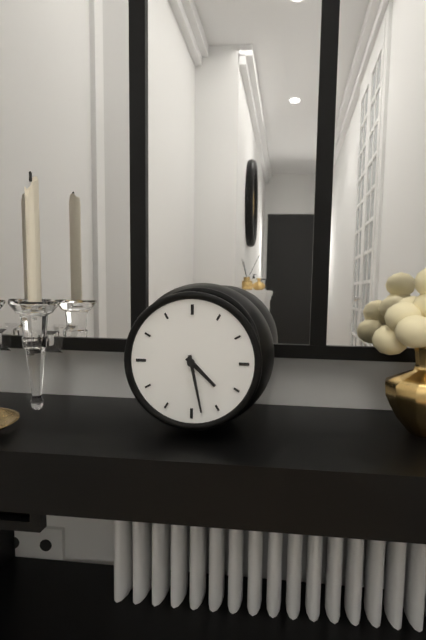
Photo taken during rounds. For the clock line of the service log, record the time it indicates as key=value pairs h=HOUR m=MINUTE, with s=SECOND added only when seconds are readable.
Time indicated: h=4 m=28
